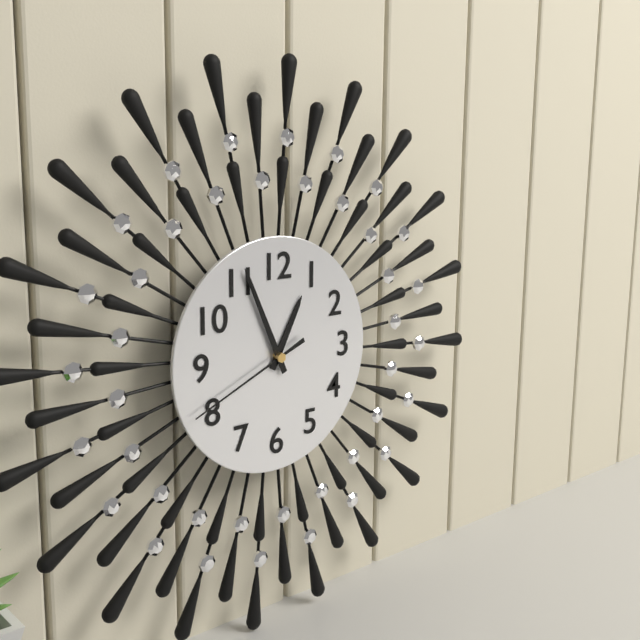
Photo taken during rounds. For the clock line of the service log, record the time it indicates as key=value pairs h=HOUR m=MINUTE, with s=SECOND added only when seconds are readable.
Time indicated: h=12 m=56 s=41
